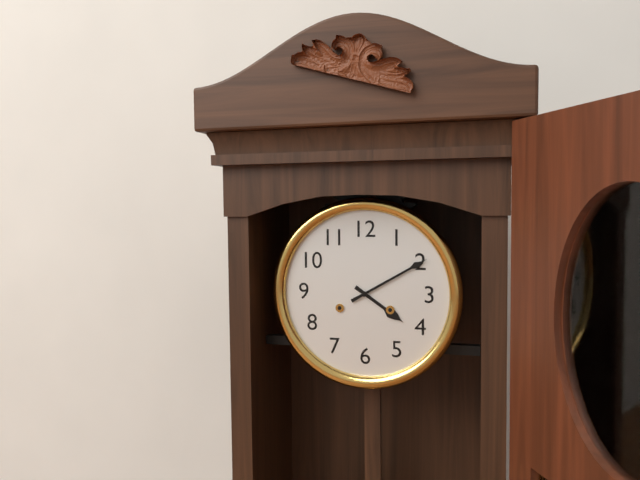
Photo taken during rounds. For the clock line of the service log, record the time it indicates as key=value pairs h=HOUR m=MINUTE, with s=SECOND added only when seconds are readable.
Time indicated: h=4 m=10
